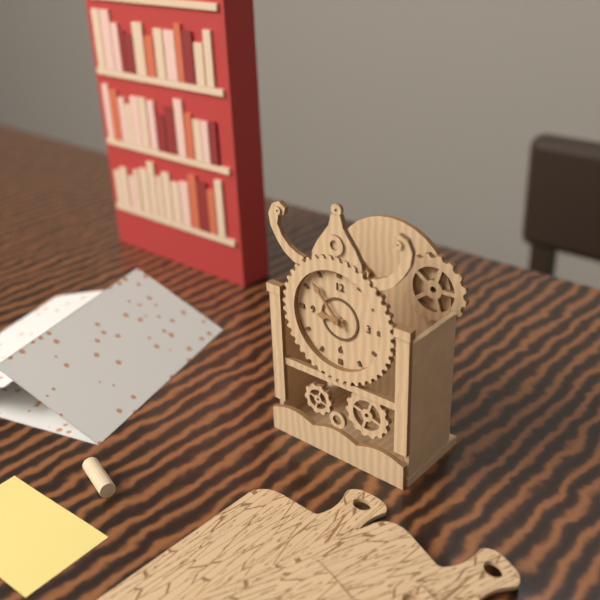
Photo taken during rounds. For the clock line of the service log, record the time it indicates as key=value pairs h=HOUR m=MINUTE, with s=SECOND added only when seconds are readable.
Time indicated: h=8 m=53
